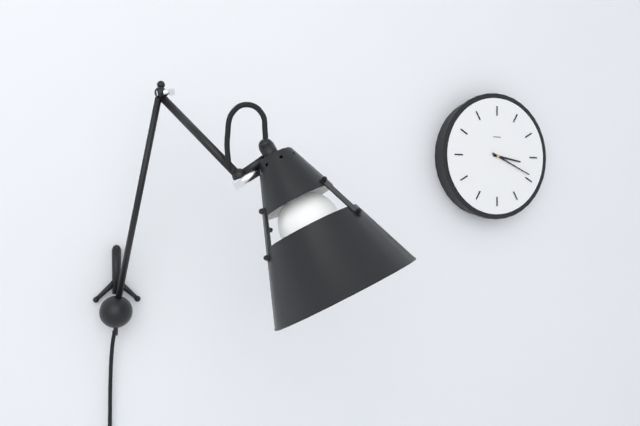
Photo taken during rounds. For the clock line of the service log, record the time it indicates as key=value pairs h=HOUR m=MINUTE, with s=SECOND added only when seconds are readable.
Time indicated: h=3 m=19
